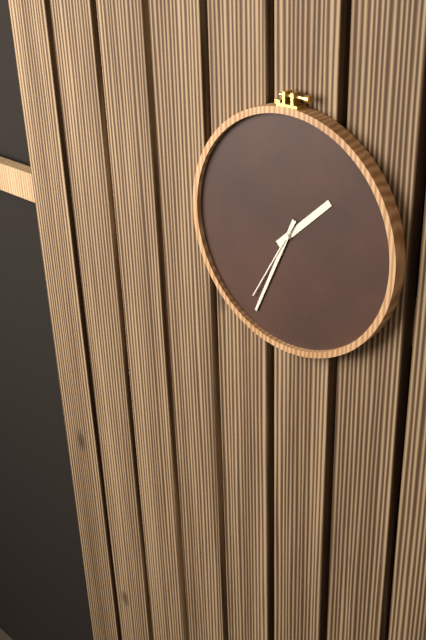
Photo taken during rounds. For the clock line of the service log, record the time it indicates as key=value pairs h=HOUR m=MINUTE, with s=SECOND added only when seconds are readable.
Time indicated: h=1 m=34 s=35
